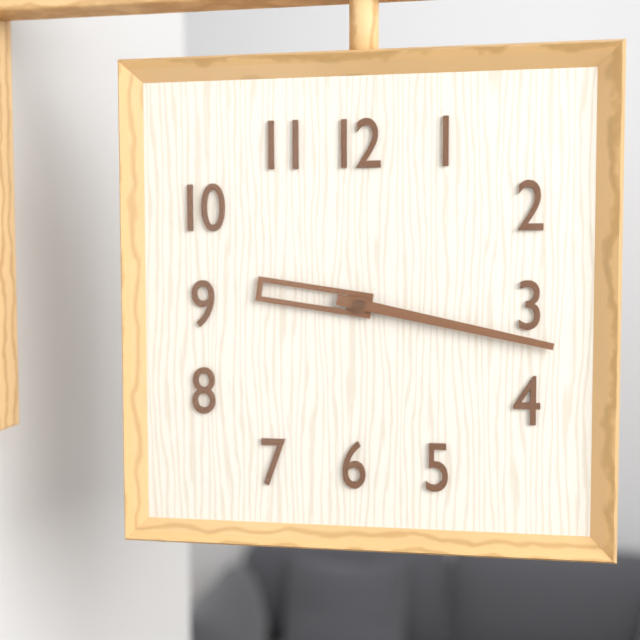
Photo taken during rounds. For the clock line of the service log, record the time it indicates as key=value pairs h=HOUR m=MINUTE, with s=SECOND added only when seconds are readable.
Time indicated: h=9 m=17
